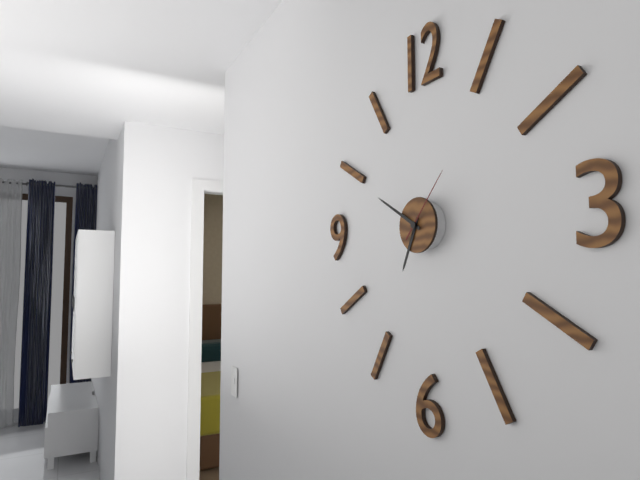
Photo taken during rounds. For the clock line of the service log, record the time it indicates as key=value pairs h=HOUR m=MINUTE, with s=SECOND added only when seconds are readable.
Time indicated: h=6 m=50 s=7
